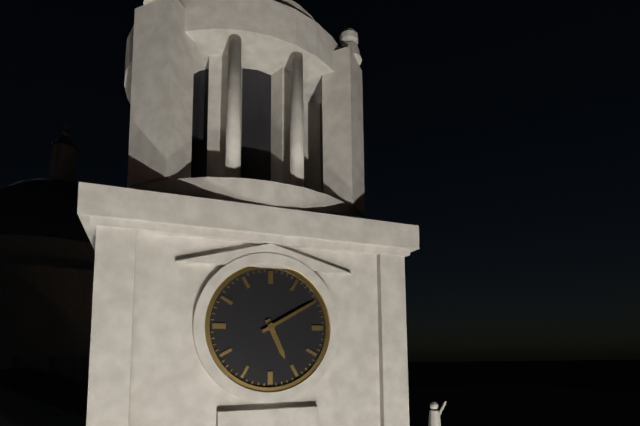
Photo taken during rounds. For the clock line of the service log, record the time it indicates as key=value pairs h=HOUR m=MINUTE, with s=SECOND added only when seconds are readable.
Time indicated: h=5 m=10
